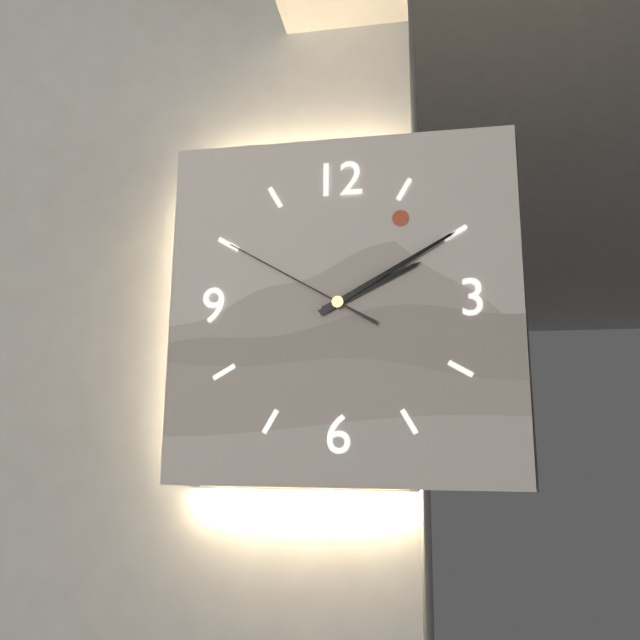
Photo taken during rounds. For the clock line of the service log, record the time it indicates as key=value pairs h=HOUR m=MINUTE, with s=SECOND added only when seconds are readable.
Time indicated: h=2 m=10 s=50
